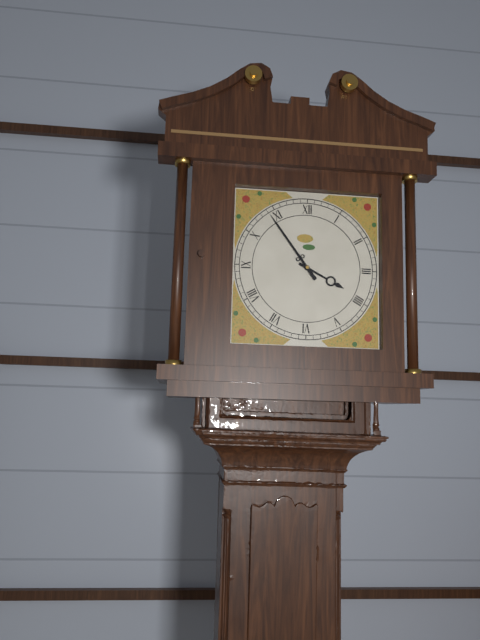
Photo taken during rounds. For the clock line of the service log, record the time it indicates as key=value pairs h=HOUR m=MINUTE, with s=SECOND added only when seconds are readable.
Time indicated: h=3 m=54
